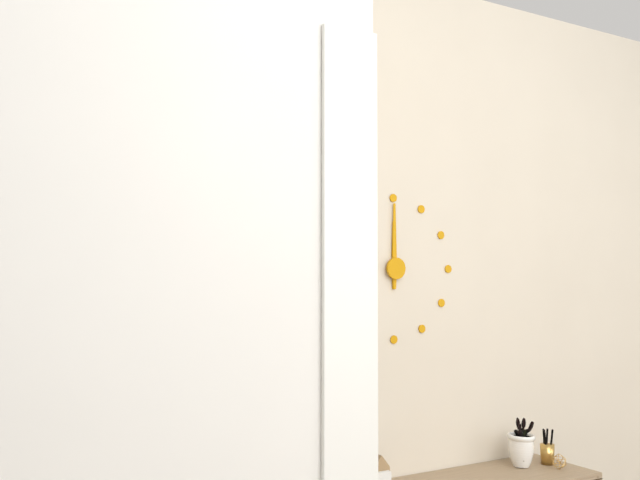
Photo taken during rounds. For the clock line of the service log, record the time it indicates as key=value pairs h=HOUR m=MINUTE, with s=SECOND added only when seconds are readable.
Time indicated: h=12 m=0
